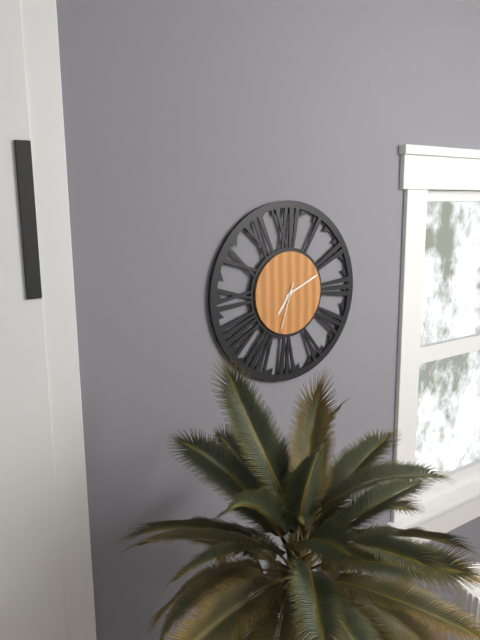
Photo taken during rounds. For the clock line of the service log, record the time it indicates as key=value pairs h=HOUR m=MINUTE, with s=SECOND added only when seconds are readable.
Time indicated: h=7 m=11
